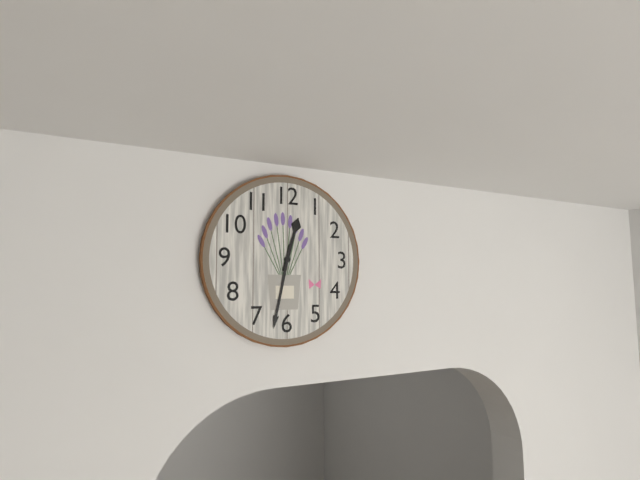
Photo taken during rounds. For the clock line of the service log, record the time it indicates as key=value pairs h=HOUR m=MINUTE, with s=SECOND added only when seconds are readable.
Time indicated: h=12 m=32
